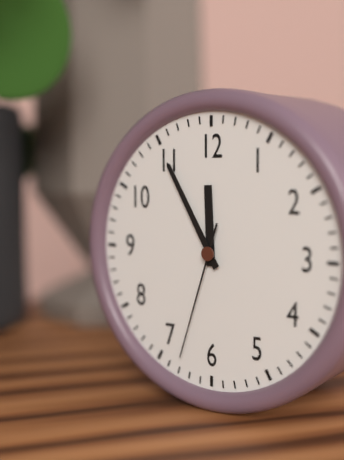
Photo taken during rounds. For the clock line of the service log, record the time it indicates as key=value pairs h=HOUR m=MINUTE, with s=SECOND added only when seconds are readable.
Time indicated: h=11 m=55 s=33
